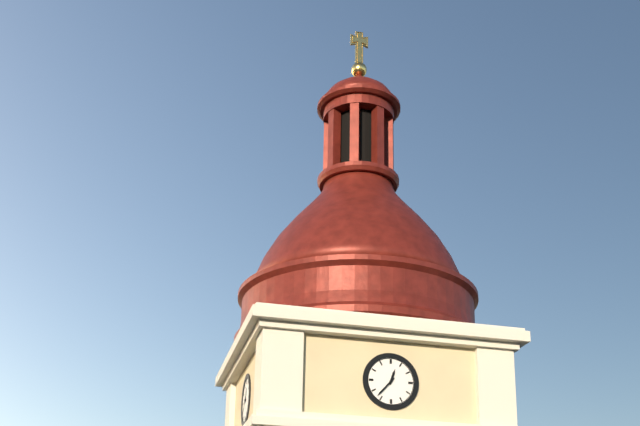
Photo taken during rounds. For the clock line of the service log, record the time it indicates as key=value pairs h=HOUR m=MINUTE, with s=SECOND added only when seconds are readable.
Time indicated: h=12 m=37
